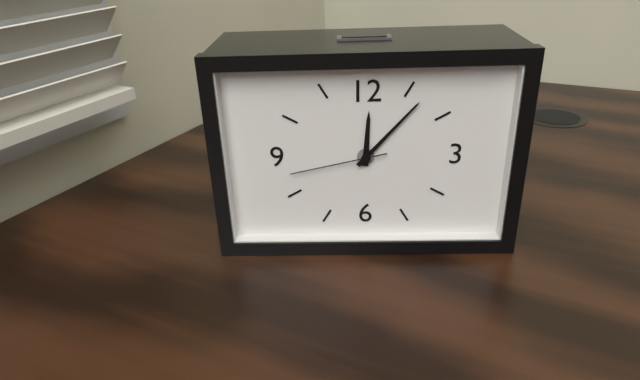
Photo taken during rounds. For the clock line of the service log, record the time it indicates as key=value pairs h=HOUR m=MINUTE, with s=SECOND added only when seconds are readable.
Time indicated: h=12 m=7 s=43
